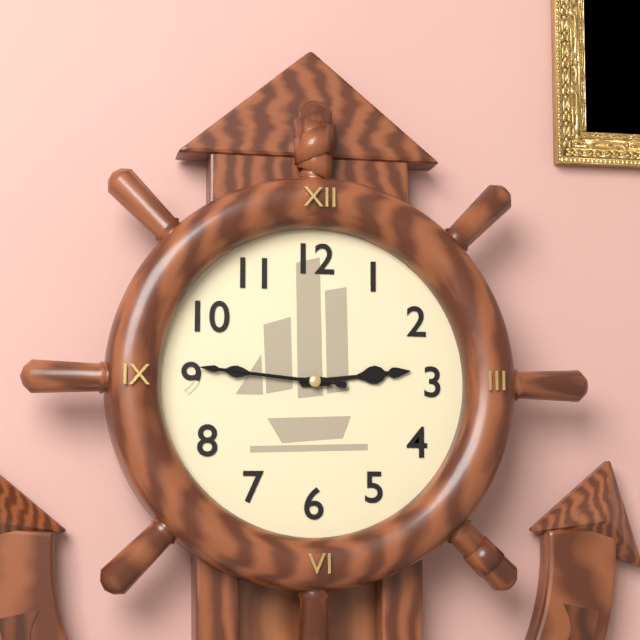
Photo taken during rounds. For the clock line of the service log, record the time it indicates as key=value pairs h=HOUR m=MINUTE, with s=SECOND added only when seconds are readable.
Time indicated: h=2 m=46 s=46
